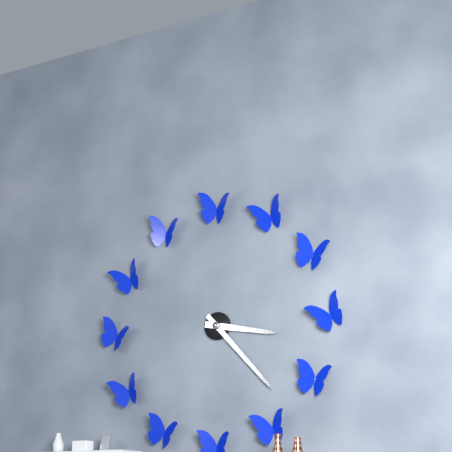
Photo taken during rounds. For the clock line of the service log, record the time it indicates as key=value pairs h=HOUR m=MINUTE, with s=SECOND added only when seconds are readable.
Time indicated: h=3 m=23
